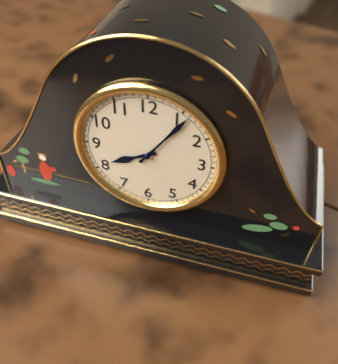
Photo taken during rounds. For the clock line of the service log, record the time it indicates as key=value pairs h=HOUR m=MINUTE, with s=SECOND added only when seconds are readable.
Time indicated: h=8 m=6
